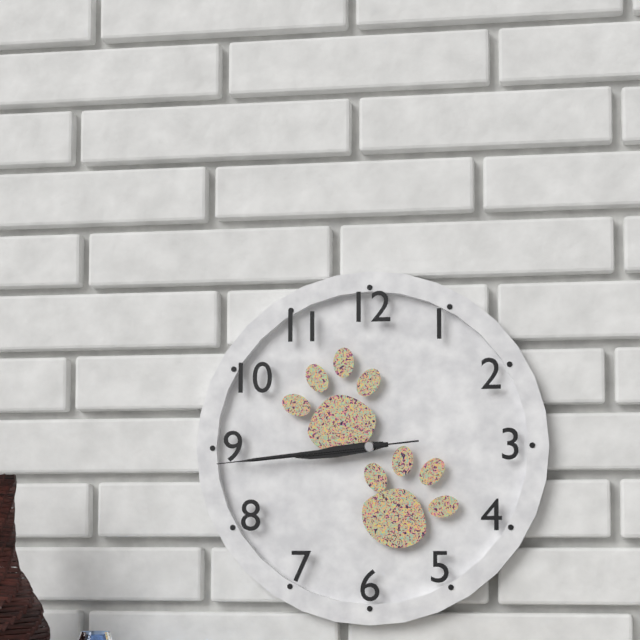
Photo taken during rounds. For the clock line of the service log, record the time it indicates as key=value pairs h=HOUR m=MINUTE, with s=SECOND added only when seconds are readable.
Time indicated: h=8 m=44 s=44
